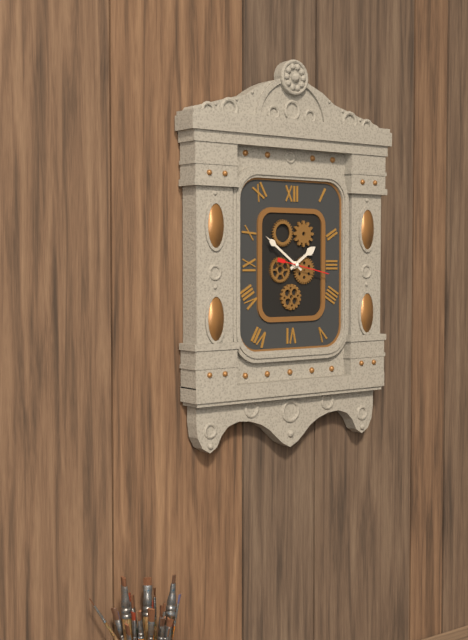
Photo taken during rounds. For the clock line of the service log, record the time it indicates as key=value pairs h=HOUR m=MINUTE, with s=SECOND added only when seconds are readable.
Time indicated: h=1 m=51
